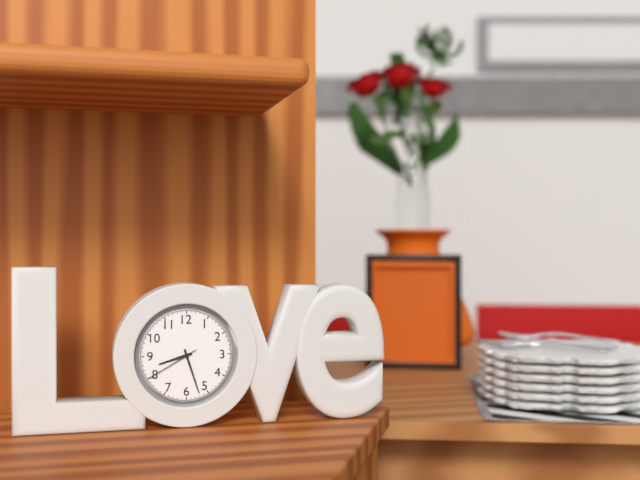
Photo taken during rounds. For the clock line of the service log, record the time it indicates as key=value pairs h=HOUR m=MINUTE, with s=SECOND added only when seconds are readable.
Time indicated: h=8 m=27 s=40
